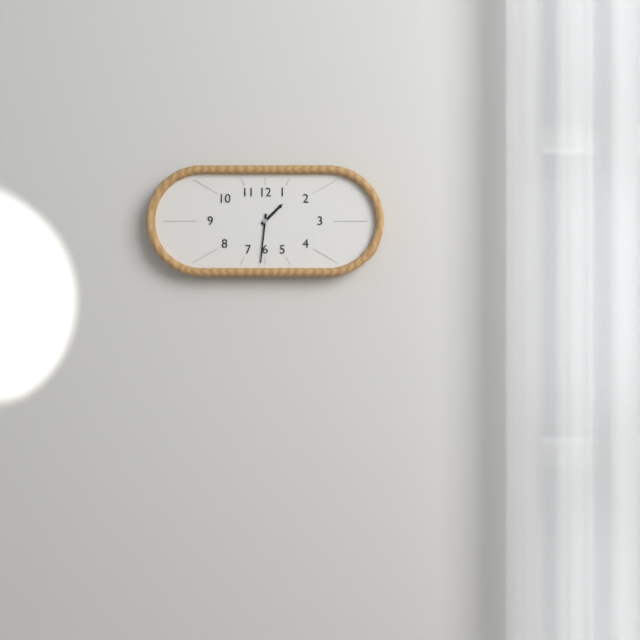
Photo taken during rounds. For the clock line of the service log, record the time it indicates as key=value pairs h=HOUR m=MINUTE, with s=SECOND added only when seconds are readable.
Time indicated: h=1 m=31
